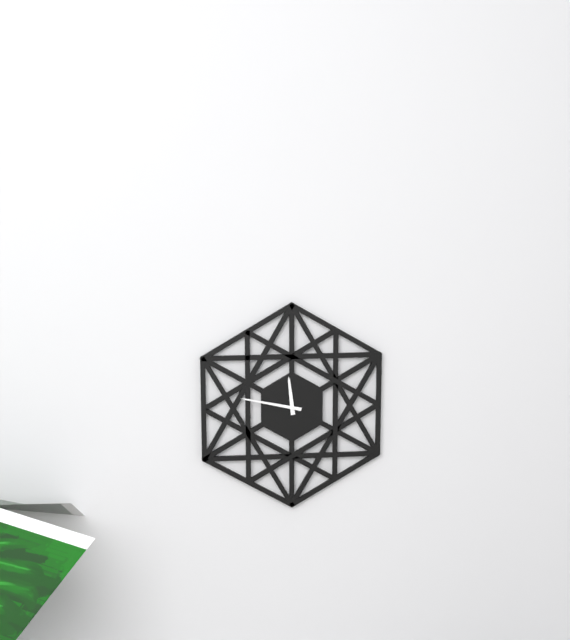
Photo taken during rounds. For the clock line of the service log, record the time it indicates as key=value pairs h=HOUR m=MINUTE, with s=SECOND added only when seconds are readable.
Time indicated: h=11 m=47
